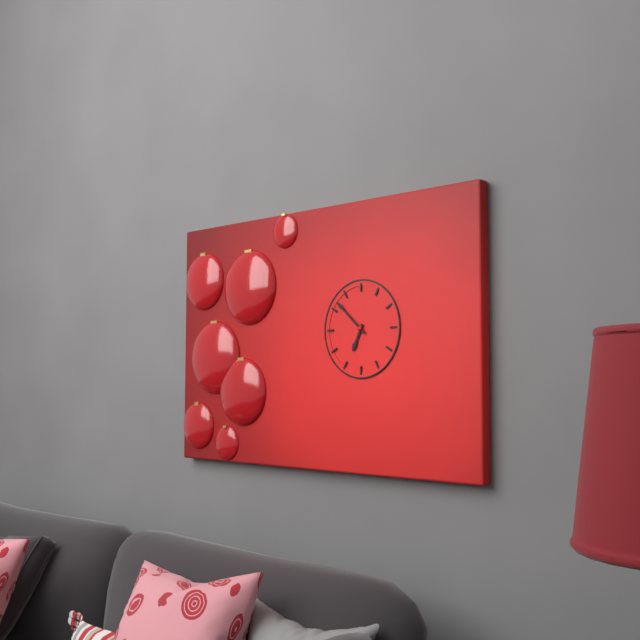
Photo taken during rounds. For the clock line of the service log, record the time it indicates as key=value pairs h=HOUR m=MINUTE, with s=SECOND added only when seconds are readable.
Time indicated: h=6 m=52
